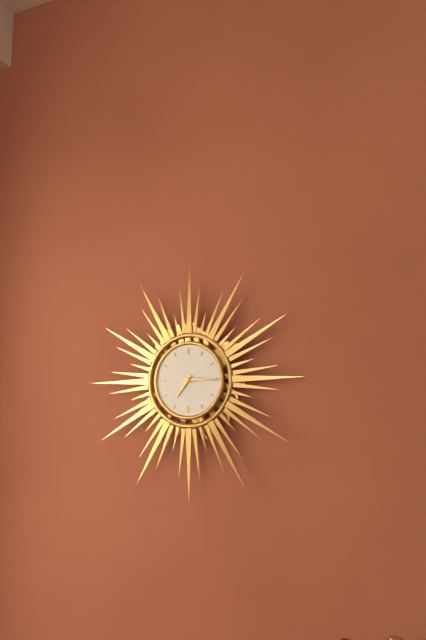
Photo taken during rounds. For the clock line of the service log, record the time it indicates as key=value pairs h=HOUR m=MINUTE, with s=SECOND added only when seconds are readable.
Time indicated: h=7 m=15
